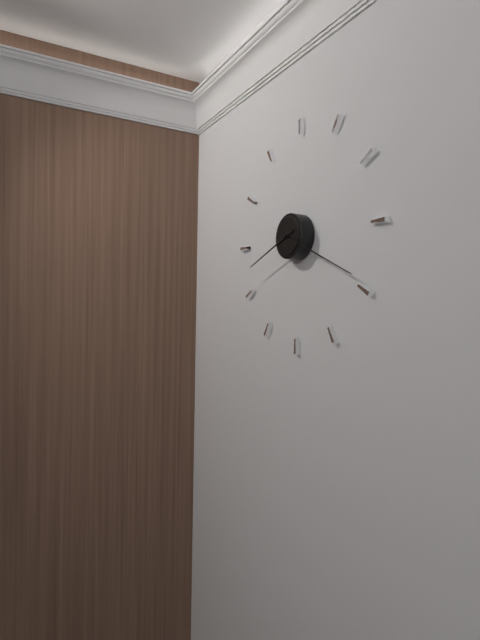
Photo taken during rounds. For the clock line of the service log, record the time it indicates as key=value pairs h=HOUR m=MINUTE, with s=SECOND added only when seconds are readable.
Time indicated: h=8 m=19
